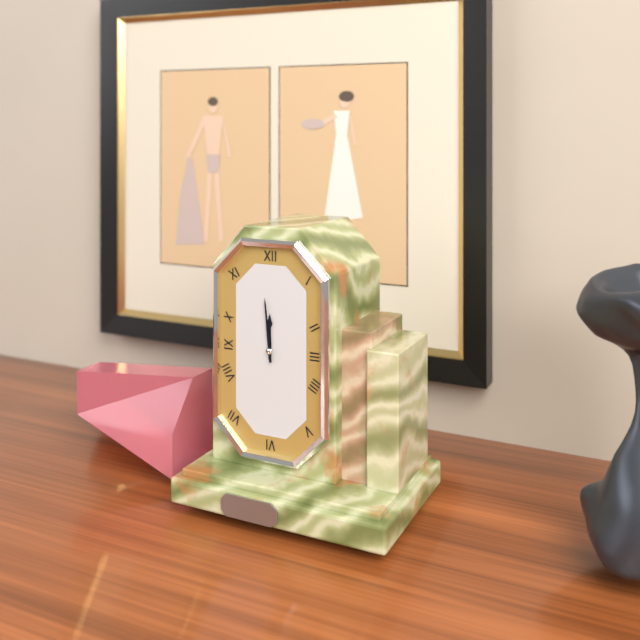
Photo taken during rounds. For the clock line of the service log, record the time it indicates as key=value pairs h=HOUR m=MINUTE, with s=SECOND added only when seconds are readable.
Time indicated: h=11 m=59
